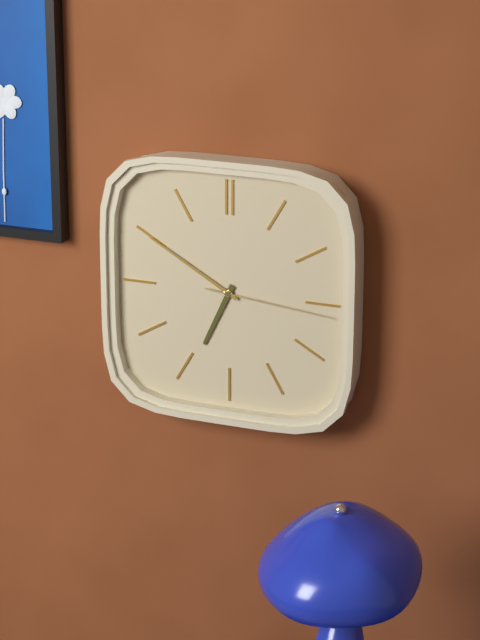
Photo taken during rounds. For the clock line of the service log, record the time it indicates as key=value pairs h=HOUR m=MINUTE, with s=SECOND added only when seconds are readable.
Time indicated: h=6 m=50 s=16
